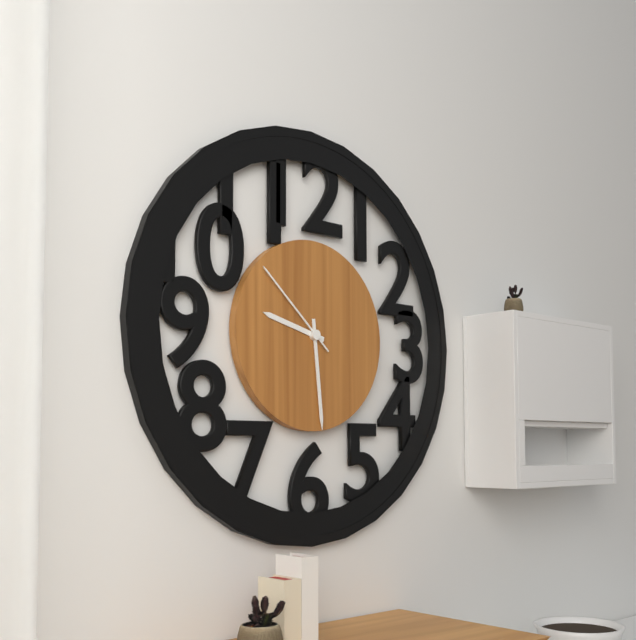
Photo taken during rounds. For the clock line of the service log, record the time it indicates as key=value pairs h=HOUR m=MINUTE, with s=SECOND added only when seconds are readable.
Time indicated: h=9 m=29 s=52
